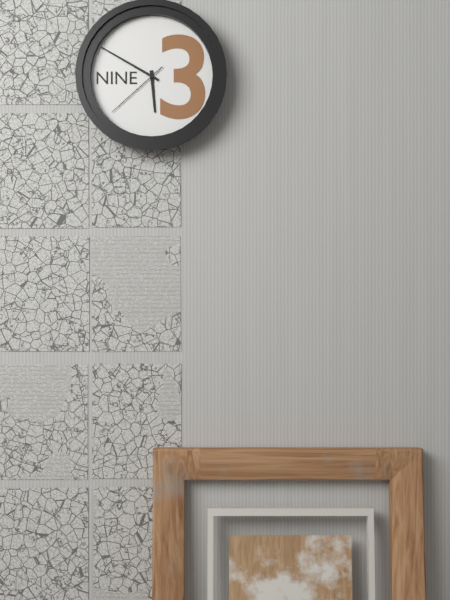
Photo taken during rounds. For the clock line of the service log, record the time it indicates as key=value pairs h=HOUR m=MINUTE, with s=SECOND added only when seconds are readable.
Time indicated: h=5 m=50 s=38
